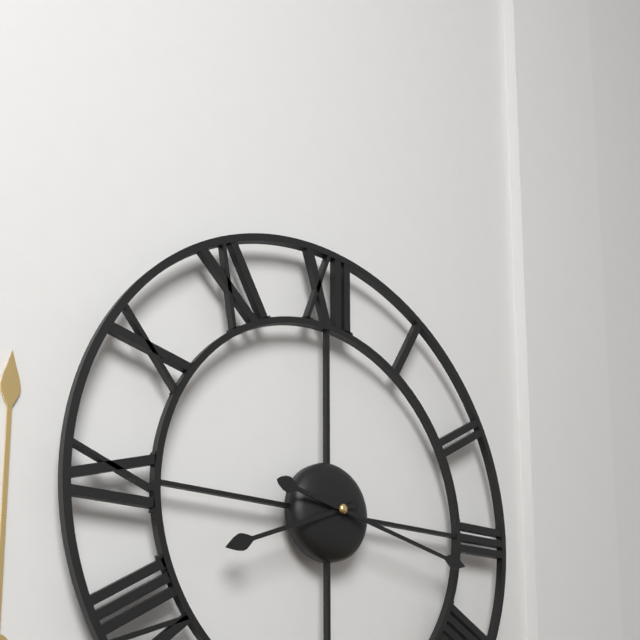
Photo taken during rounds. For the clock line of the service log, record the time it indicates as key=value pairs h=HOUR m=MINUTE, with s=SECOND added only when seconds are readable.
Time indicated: h=8 m=17
